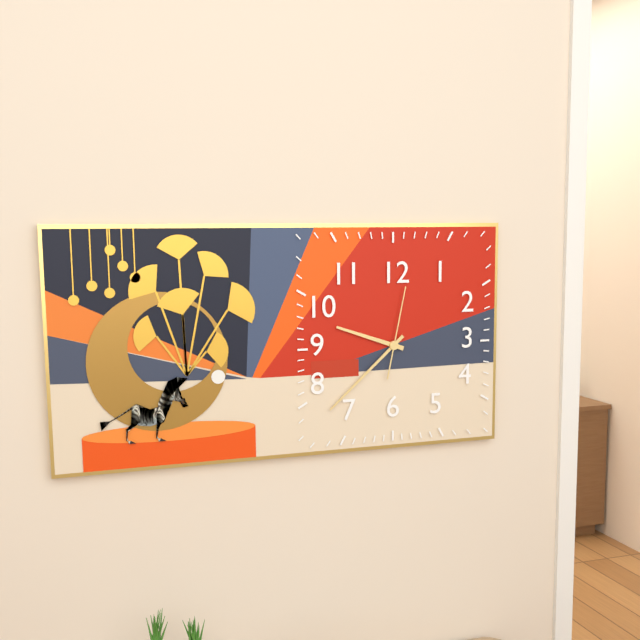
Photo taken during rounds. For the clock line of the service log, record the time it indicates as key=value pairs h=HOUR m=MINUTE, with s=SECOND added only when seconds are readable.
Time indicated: h=9 m=38 s=2
